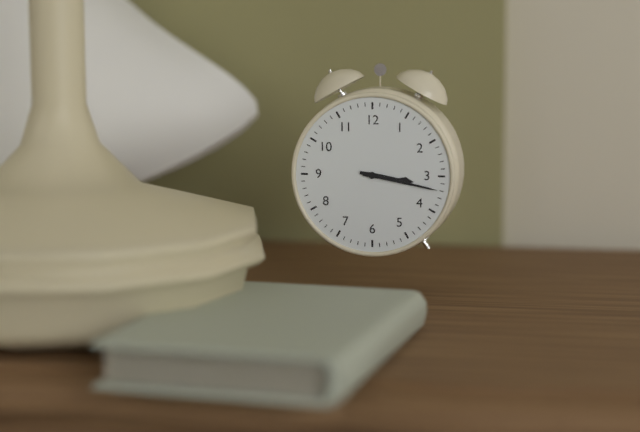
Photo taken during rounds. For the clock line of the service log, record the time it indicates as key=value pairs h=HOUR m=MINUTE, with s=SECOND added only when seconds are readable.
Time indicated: h=3 m=17
